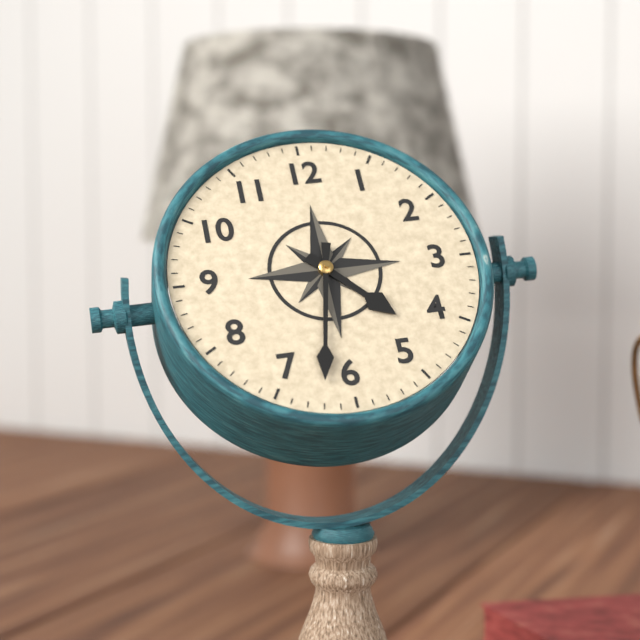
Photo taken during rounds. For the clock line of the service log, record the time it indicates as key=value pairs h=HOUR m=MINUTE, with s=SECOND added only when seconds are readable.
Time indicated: h=4 m=32
